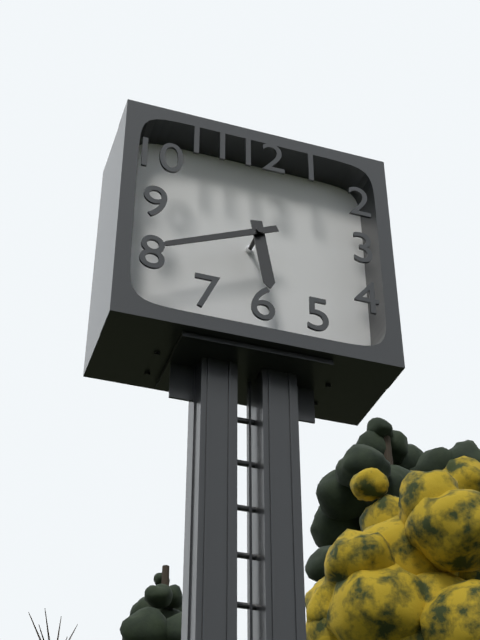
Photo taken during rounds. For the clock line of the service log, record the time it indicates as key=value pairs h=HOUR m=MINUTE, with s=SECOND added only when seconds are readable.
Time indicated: h=5 m=41
